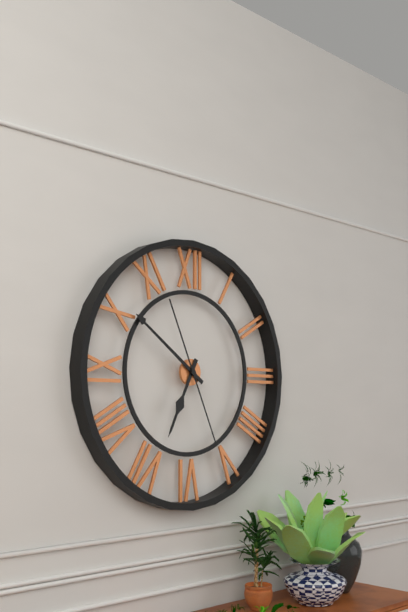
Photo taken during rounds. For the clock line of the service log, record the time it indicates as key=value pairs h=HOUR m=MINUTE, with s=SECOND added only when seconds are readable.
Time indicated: h=6 m=51 s=26
